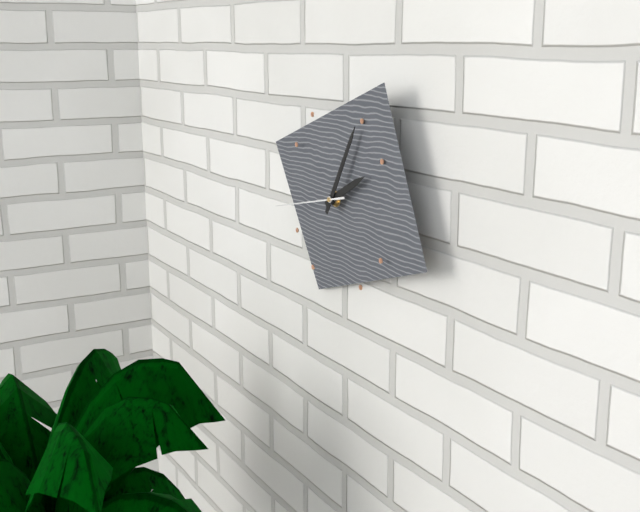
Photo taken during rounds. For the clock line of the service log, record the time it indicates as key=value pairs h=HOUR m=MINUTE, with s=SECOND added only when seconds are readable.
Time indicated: h=2 m=5 s=43
